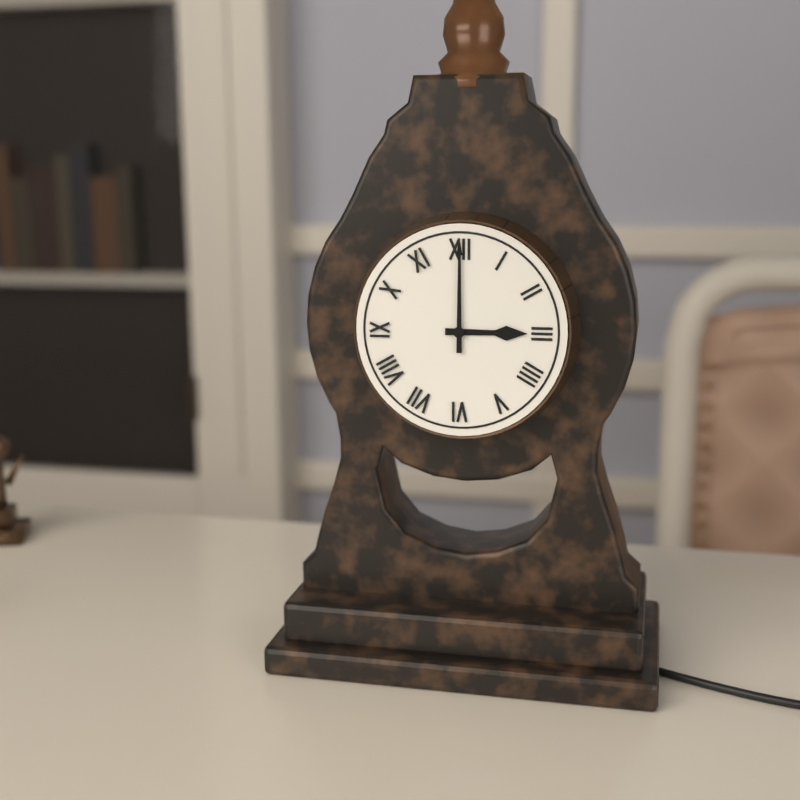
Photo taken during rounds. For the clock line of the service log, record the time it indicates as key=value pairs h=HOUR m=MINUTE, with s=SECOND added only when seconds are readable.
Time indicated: h=3 m=0
